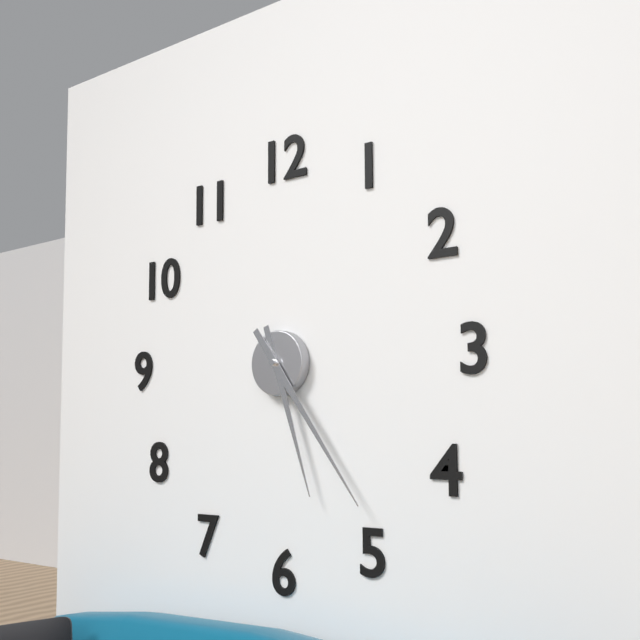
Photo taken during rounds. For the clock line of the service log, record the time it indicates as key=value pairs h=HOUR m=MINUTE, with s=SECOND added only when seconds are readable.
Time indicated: h=5 m=24
